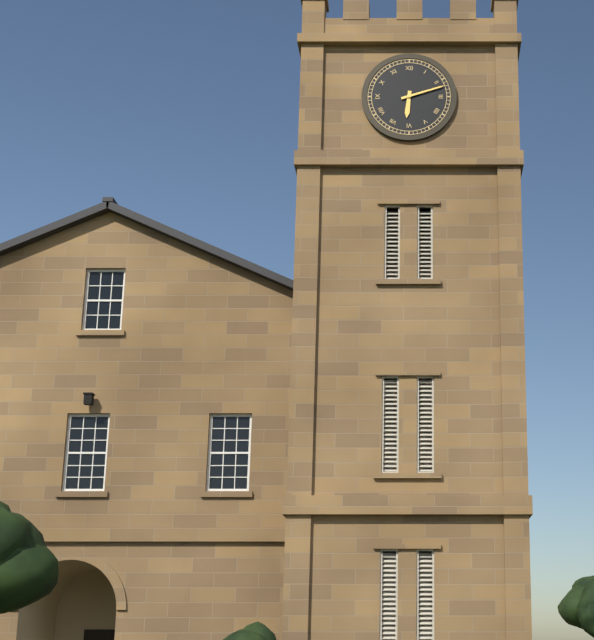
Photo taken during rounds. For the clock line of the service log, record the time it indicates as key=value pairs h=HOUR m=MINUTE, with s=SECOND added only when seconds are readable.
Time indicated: h=6 m=12
